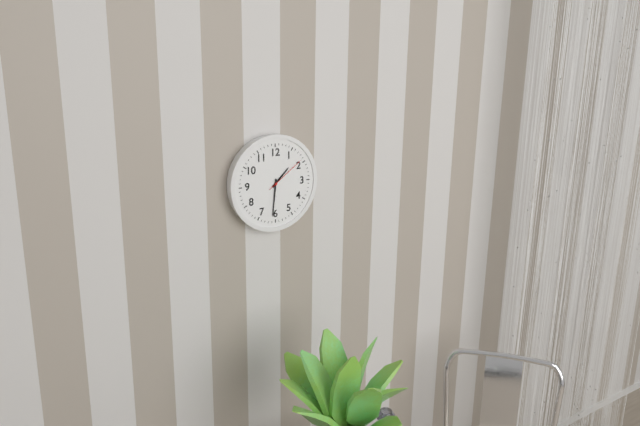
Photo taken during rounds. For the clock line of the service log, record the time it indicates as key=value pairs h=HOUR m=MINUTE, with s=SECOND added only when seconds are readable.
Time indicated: h=1 m=31
